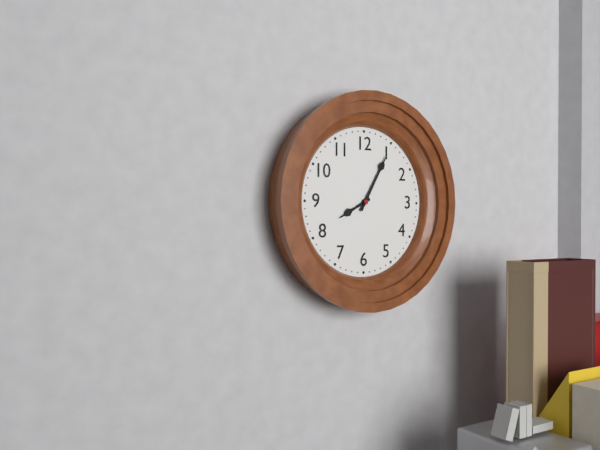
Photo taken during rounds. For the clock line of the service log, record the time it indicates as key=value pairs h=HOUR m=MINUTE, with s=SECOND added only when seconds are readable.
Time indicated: h=8 m=5
